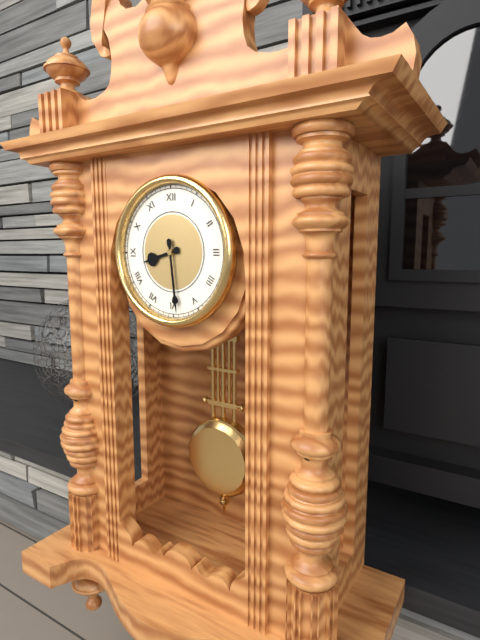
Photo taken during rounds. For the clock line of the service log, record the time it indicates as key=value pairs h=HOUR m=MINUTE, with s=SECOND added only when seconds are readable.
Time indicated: h=8 m=29
